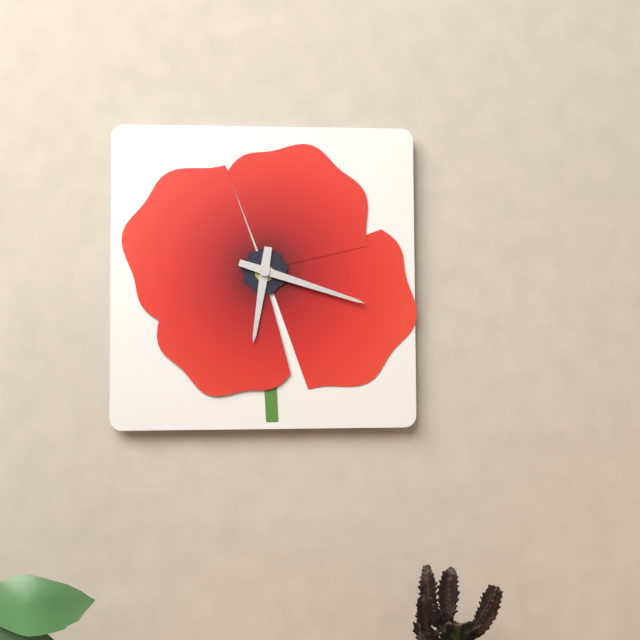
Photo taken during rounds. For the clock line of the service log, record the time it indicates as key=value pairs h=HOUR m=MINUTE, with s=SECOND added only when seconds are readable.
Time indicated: h=6 m=18
